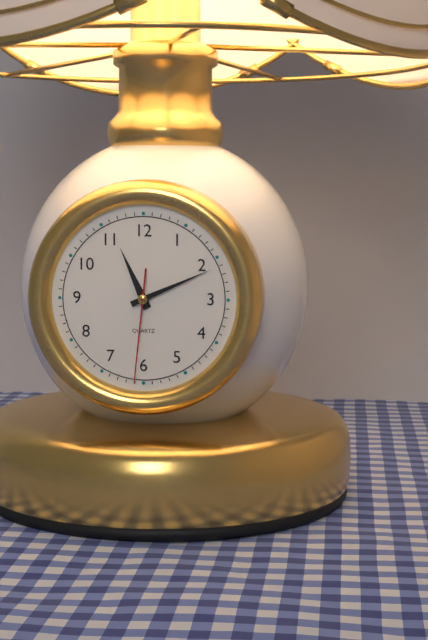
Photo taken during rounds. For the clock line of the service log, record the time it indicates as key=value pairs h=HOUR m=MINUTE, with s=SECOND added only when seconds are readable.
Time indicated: h=11 m=11 s=31
